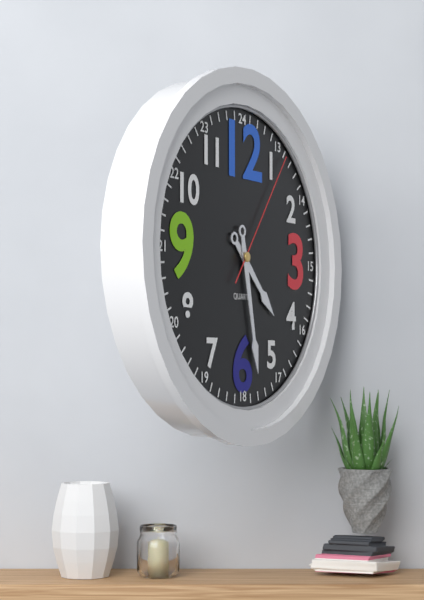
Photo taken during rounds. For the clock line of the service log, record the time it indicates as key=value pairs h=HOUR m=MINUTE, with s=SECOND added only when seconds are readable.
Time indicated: h=4 m=28 s=6
